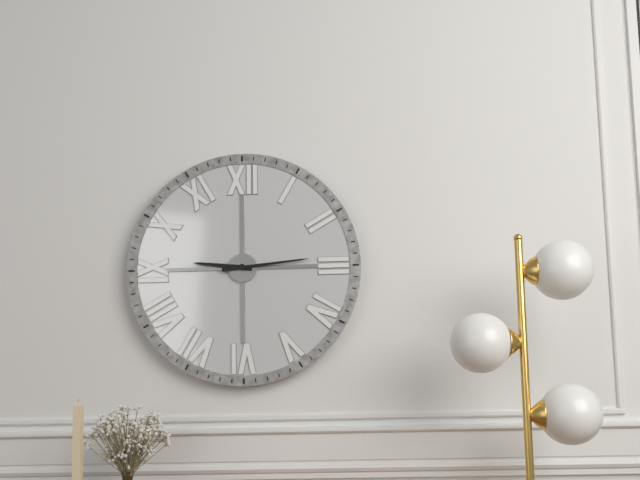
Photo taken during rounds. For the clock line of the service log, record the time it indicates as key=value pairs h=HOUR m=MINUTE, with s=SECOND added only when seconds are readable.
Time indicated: h=9 m=14
